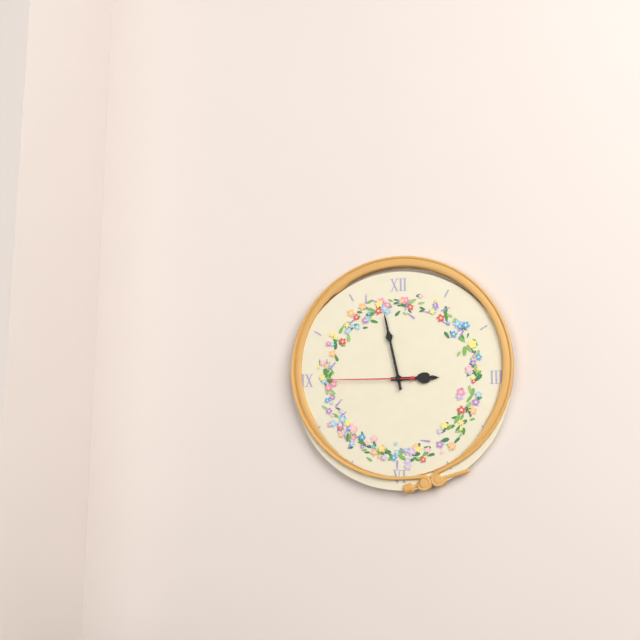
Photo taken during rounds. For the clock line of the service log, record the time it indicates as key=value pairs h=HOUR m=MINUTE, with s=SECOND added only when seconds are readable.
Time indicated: h=2 m=58 s=45
